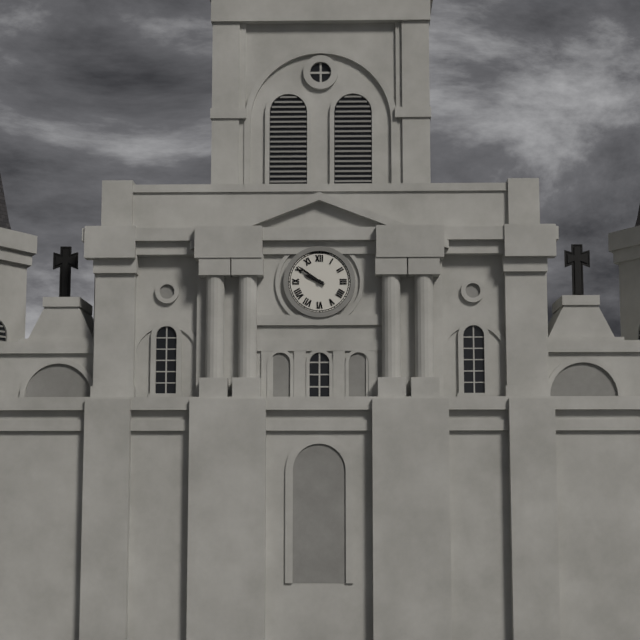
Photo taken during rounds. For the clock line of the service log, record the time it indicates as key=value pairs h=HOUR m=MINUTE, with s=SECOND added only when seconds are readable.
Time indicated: h=9 m=51
